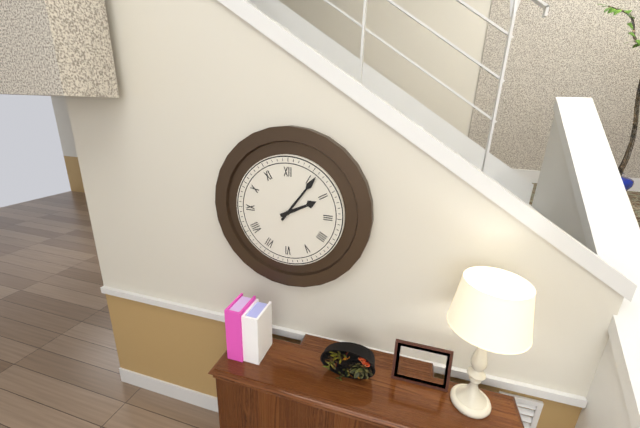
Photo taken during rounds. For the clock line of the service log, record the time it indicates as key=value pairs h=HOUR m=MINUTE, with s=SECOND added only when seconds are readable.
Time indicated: h=2 m=6
